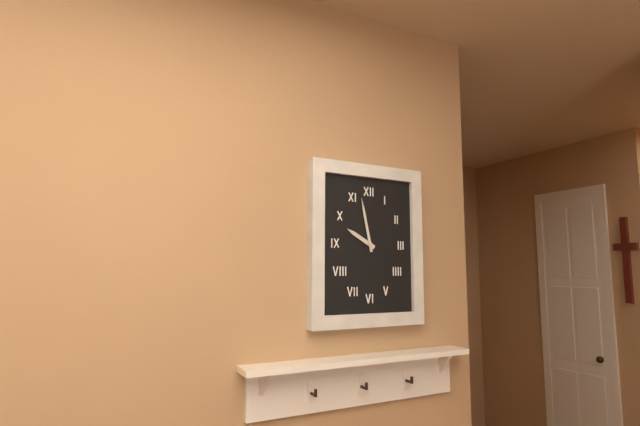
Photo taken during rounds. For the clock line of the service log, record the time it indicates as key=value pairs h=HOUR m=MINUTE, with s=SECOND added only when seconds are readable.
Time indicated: h=9 m=58
